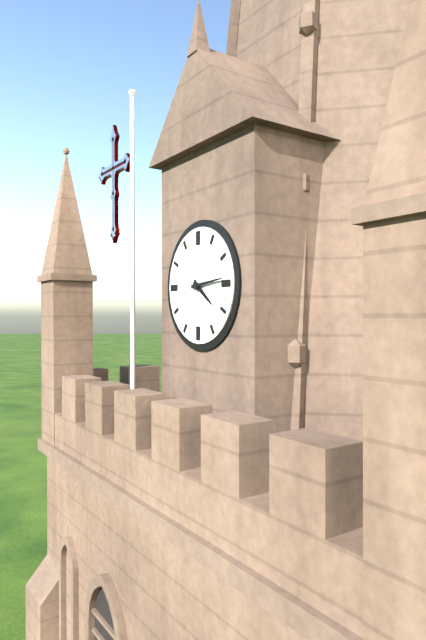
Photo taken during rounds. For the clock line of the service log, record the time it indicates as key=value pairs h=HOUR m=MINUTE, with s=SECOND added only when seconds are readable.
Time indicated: h=4 m=14
